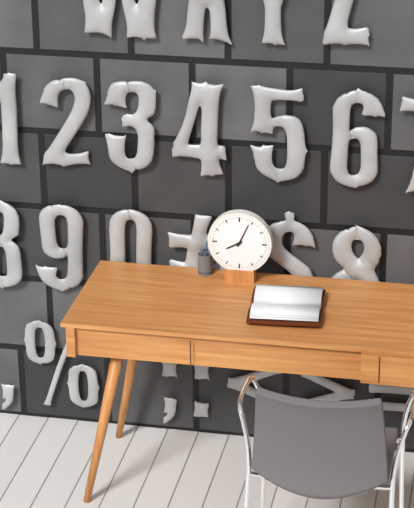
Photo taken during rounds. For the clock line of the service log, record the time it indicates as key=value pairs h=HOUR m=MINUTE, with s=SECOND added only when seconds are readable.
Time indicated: h=8 m=4
